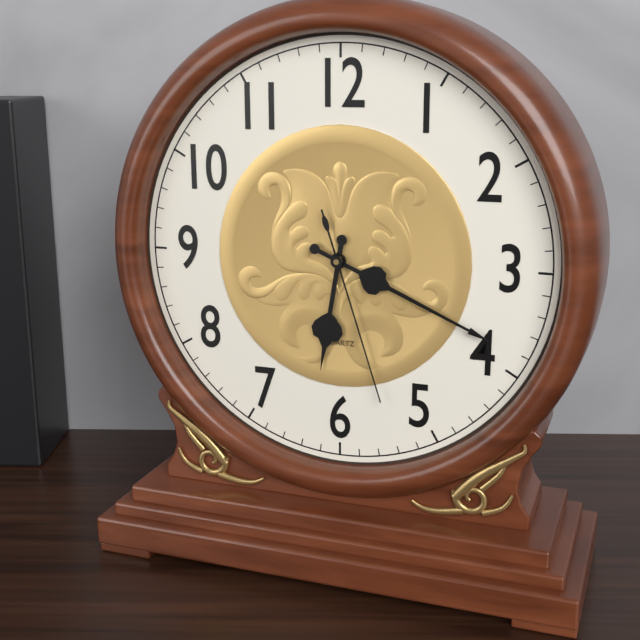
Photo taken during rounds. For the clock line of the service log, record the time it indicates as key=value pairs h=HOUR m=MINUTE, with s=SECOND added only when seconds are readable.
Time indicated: h=6 m=19 s=27
